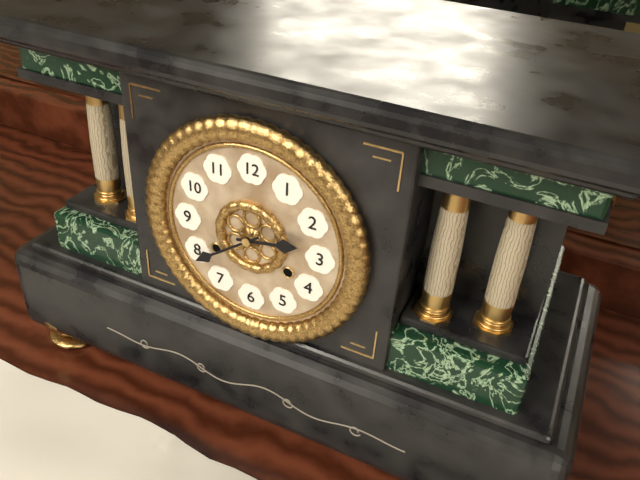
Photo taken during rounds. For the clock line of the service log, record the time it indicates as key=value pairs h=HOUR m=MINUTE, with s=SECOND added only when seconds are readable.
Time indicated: h=2 m=39
